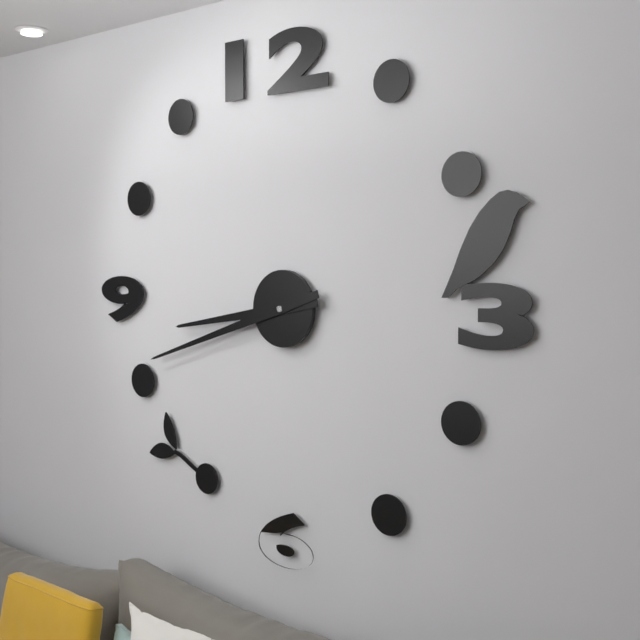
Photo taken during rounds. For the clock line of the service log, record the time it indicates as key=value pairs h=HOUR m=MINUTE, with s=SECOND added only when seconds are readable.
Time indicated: h=8 m=42
